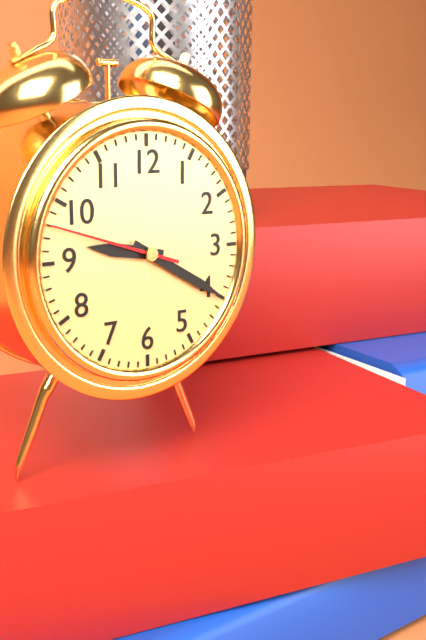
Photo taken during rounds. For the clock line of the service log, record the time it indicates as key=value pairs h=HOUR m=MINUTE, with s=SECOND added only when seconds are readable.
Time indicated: h=9 m=20 s=48
